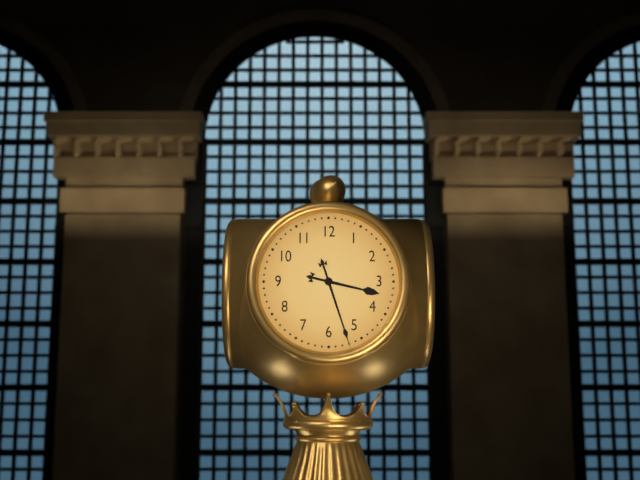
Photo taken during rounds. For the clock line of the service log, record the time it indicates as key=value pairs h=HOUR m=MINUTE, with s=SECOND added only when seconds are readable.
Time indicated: h=3 m=27
